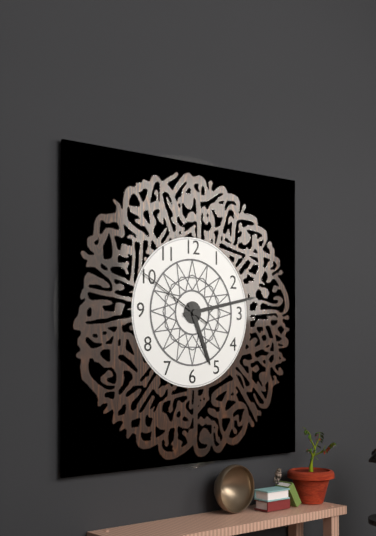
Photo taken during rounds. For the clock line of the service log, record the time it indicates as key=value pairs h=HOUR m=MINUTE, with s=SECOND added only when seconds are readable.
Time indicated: h=5 m=13 s=50
